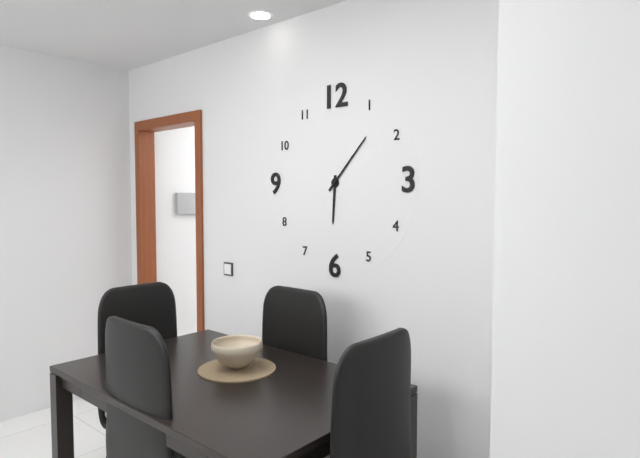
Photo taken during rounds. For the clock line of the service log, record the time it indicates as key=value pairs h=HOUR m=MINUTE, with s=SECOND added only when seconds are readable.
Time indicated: h=6 m=7
